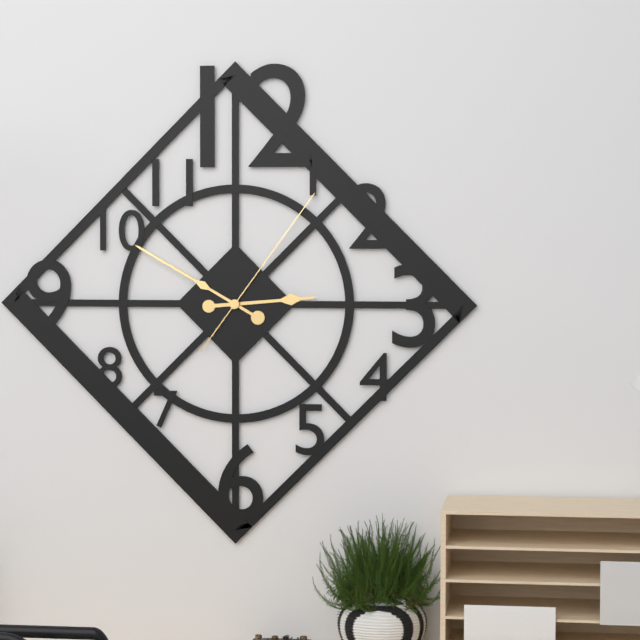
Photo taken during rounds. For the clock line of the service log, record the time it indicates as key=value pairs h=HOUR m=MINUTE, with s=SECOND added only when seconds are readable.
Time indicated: h=2 m=50 s=6
